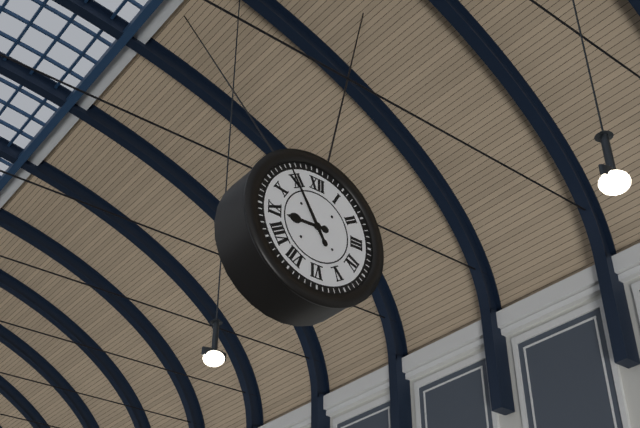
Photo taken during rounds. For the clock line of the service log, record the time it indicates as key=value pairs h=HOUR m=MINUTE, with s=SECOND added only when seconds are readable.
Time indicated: h=8 m=55
